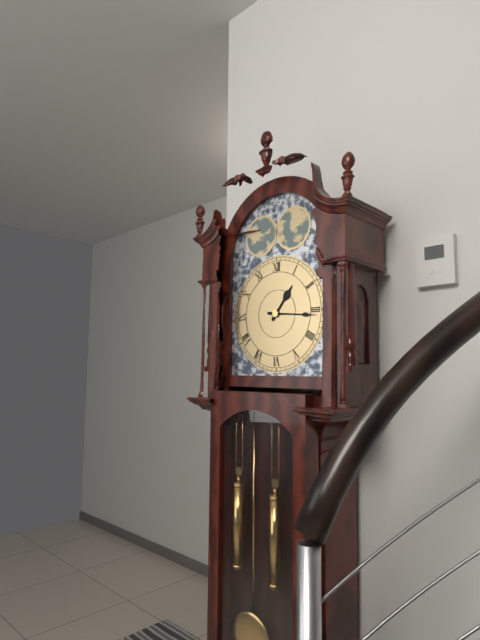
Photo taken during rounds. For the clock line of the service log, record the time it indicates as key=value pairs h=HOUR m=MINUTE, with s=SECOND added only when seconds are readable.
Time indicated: h=1 m=16
